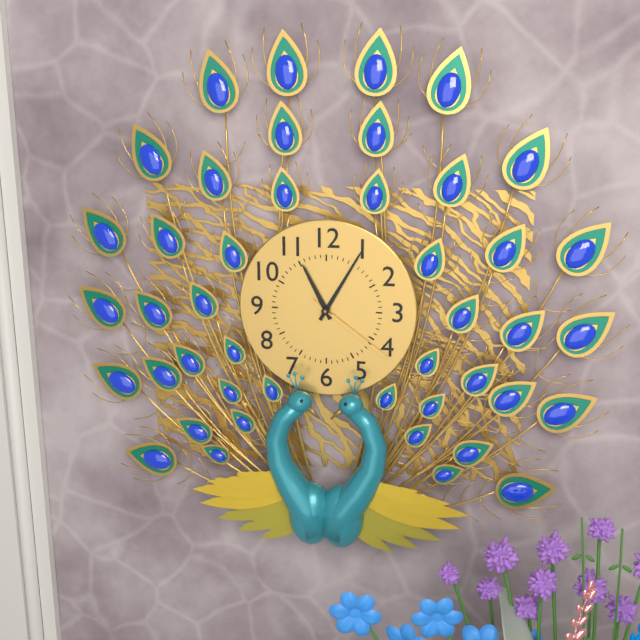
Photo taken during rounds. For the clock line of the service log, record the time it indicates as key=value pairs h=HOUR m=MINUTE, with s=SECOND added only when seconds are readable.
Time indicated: h=11 m=5 s=21
